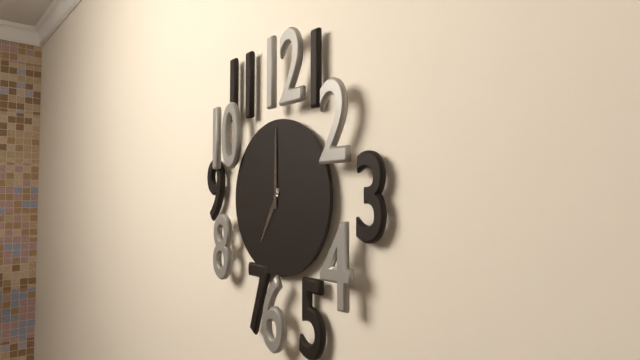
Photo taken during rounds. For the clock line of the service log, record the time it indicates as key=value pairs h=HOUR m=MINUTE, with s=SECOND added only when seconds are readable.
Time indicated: h=7 m=0
